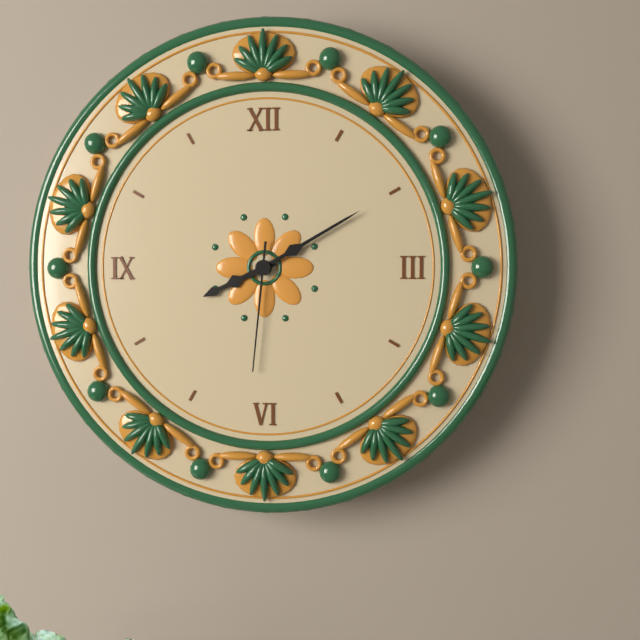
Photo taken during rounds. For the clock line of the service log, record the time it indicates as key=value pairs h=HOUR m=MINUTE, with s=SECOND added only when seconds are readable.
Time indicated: h=8 m=10 s=31
